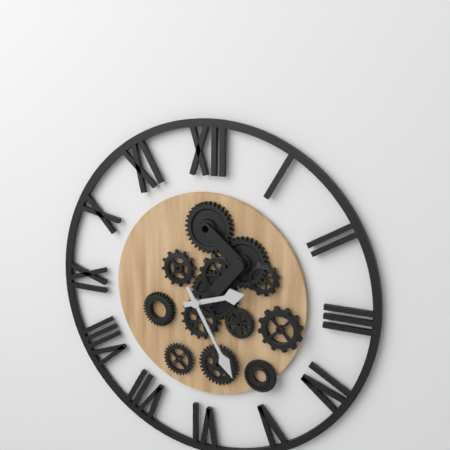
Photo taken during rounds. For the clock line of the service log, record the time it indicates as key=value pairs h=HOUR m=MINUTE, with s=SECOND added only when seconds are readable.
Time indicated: h=2 m=25
